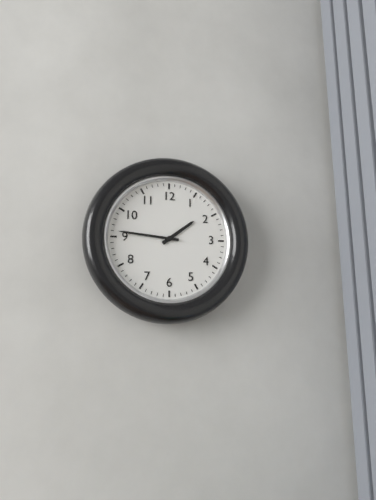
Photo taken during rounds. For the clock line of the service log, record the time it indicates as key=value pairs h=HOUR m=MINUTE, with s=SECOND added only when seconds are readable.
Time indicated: h=1 m=46
